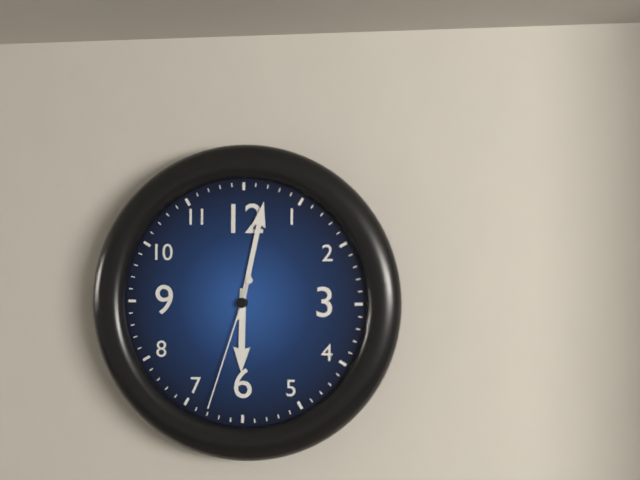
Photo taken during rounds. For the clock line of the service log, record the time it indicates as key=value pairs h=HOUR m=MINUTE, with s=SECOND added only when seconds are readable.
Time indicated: h=6 m=2 s=33
